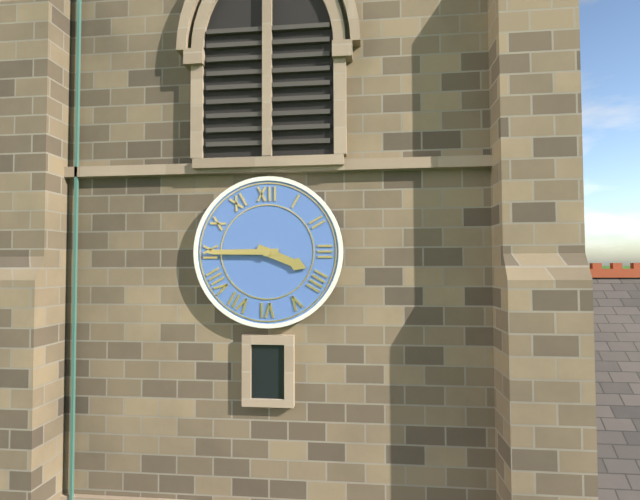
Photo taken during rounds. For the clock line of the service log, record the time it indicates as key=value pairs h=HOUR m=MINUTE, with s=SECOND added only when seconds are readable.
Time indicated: h=3 m=45
